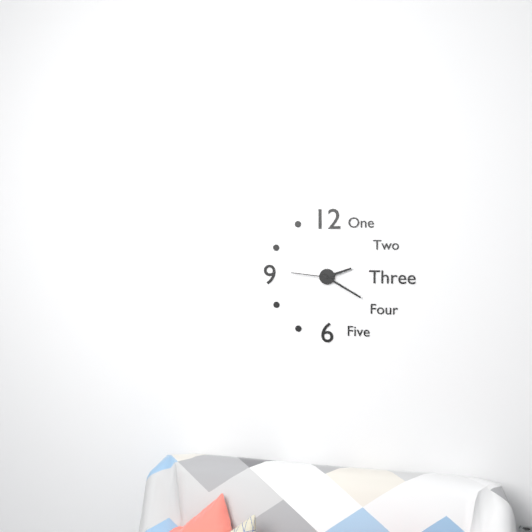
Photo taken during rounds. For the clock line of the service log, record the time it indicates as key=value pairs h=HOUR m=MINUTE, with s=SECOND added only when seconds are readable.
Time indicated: h=2 m=20
